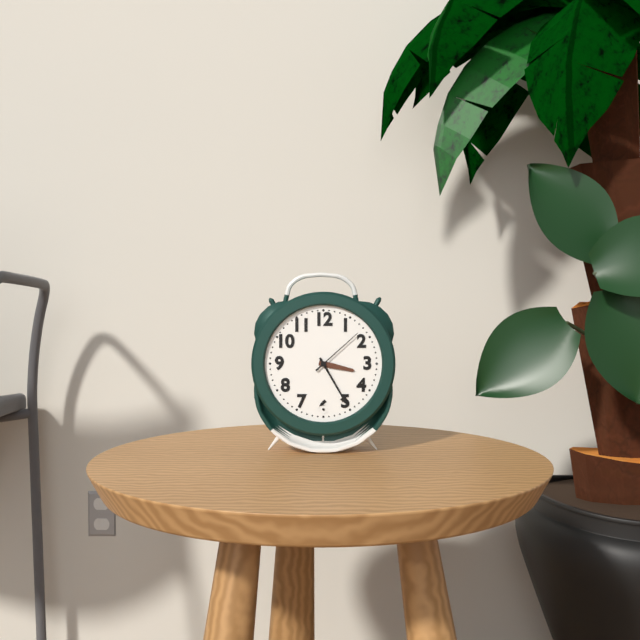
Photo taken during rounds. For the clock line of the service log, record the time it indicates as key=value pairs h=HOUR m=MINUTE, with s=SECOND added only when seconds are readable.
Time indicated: h=3 m=25 s=8
